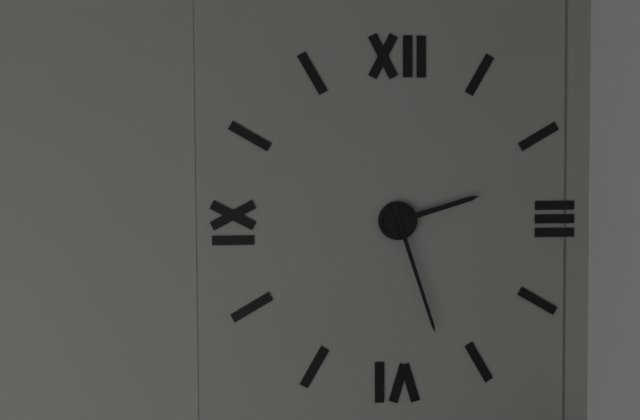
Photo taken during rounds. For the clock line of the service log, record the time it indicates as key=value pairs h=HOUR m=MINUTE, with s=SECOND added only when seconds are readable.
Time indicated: h=2 m=27
